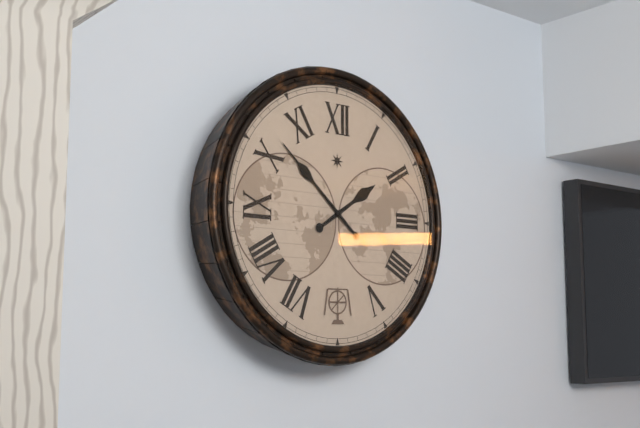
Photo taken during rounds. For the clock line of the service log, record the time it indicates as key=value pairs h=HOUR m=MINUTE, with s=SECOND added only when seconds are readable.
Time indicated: h=1 m=52
